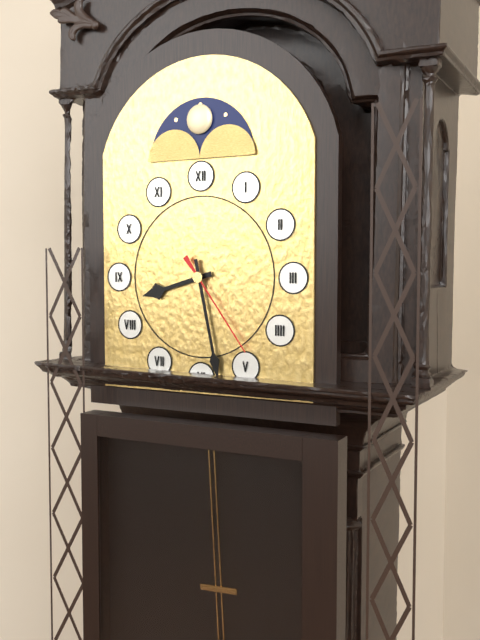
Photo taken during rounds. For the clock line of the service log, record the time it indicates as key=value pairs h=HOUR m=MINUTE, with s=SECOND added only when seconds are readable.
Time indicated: h=8 m=28 s=24
